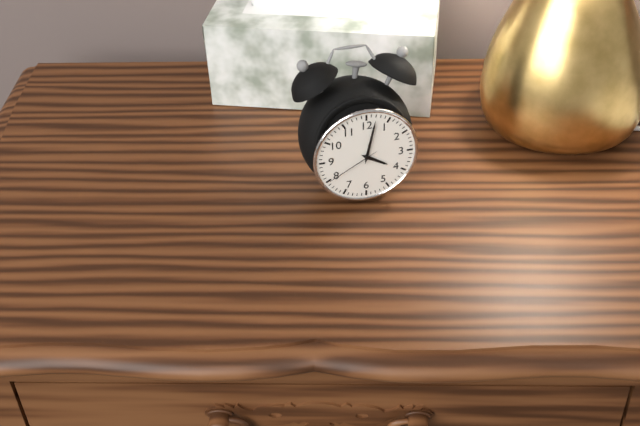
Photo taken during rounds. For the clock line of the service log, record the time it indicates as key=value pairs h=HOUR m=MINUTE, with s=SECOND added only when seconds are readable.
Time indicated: h=4 m=2 s=40
